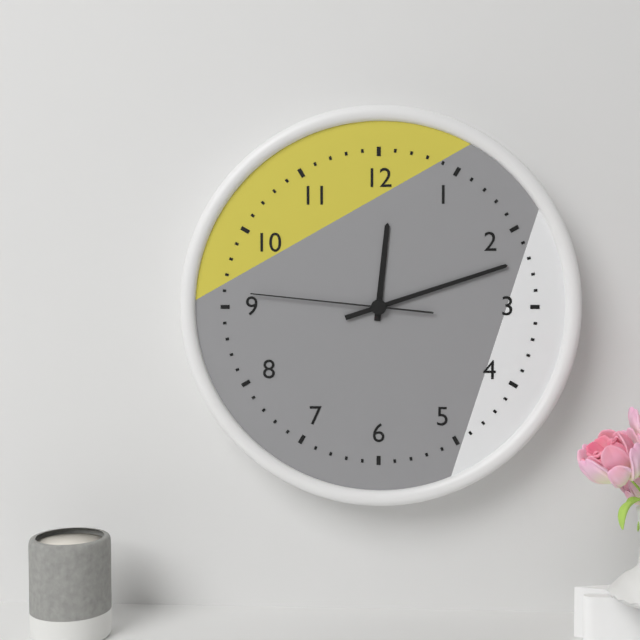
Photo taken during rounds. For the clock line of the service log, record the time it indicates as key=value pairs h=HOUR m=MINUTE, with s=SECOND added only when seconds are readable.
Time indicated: h=12 m=12 s=46
